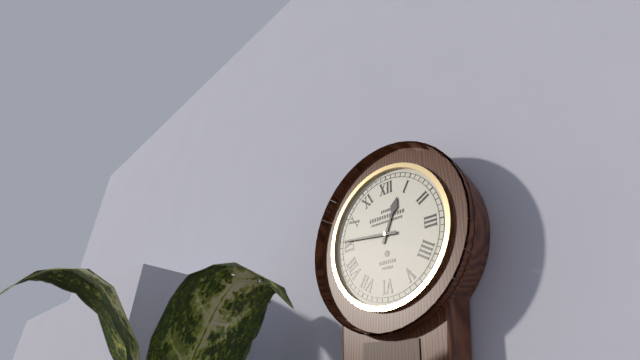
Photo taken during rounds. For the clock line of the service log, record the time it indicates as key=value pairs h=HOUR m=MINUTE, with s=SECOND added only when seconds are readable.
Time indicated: h=12 m=46
